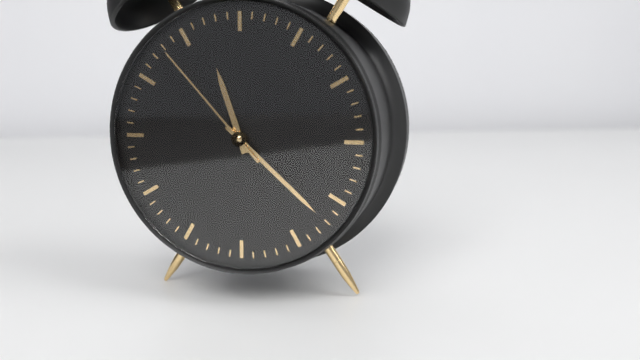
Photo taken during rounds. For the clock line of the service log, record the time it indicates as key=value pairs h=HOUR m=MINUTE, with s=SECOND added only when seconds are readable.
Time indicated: h=11 m=22 s=53
